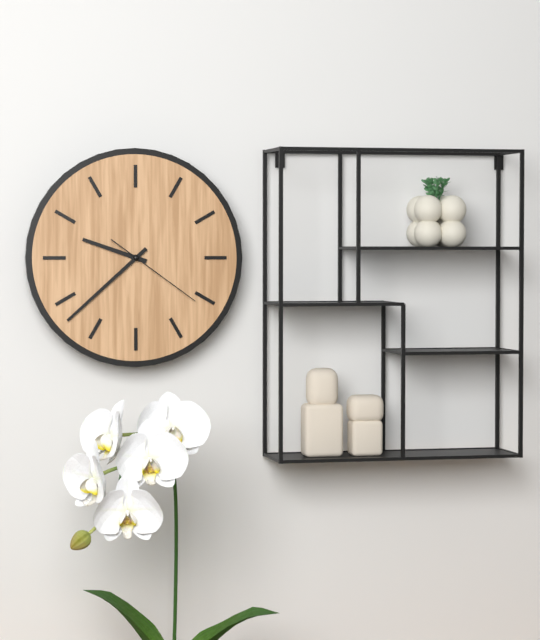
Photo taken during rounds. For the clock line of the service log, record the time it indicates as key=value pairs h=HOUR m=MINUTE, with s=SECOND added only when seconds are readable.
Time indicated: h=9 m=38 s=21
